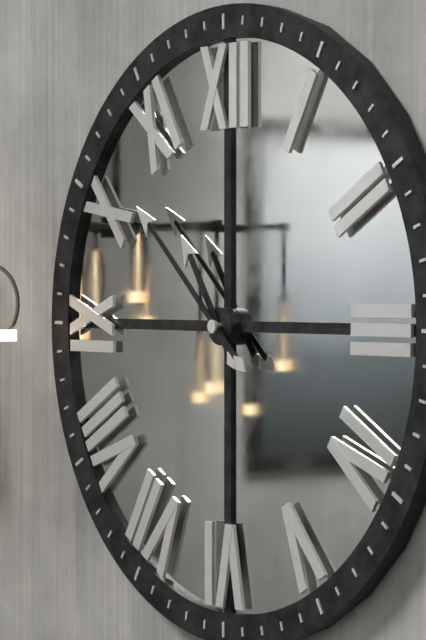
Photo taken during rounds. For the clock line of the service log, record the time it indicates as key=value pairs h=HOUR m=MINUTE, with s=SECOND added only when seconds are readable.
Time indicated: h=10 m=52
